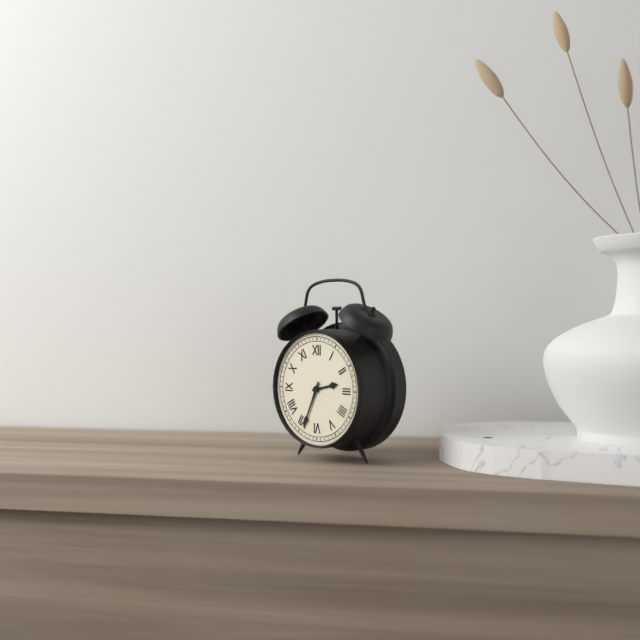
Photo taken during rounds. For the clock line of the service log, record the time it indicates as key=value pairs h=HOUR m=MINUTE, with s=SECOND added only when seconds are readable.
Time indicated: h=2 m=34
